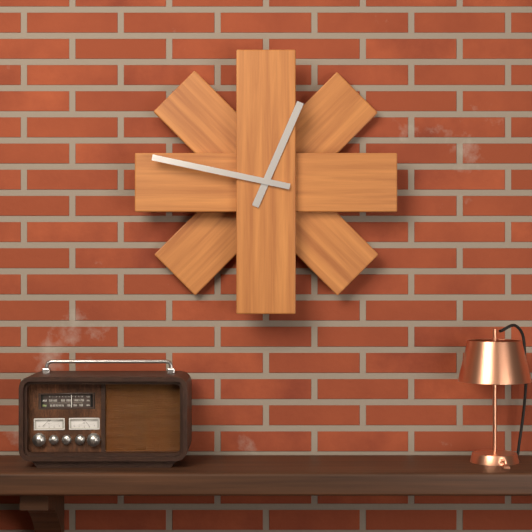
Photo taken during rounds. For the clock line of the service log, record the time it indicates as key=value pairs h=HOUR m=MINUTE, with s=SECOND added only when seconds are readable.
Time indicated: h=12 m=47
